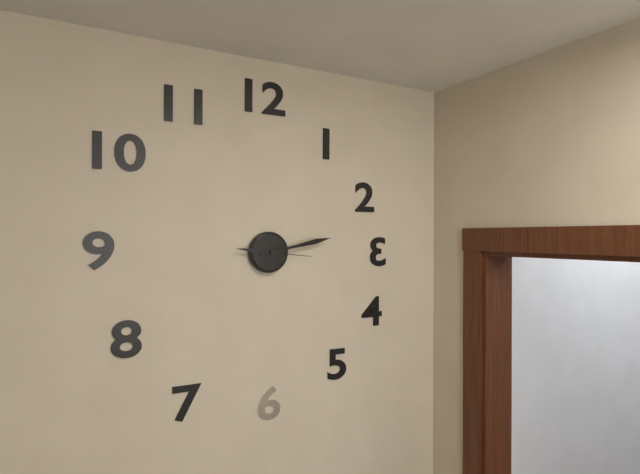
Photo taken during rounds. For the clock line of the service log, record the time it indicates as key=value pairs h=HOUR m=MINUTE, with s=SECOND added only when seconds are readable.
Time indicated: h=9 m=13 s=16
